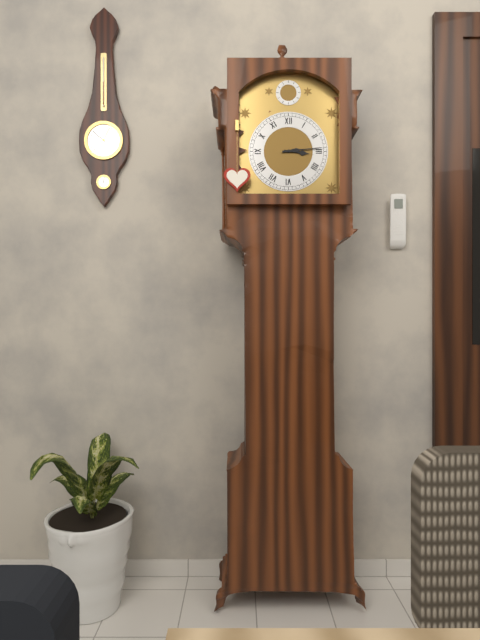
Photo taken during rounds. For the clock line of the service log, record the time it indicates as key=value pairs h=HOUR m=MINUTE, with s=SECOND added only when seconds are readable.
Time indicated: h=3 m=14
